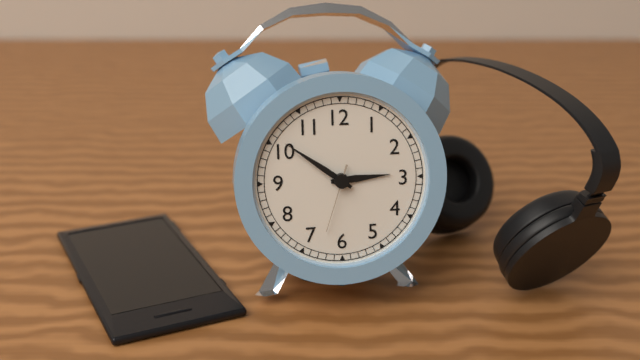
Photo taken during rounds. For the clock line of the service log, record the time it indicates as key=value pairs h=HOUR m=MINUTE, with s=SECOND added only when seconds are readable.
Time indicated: h=2 m=51 s=33
